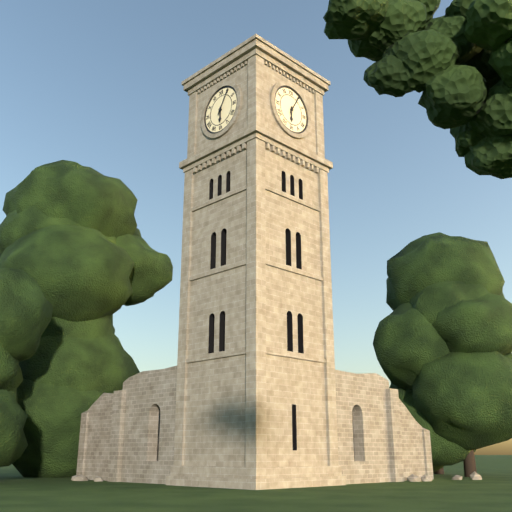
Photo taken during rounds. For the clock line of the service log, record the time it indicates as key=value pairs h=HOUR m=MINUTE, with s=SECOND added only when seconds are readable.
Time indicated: h=6 m=5
